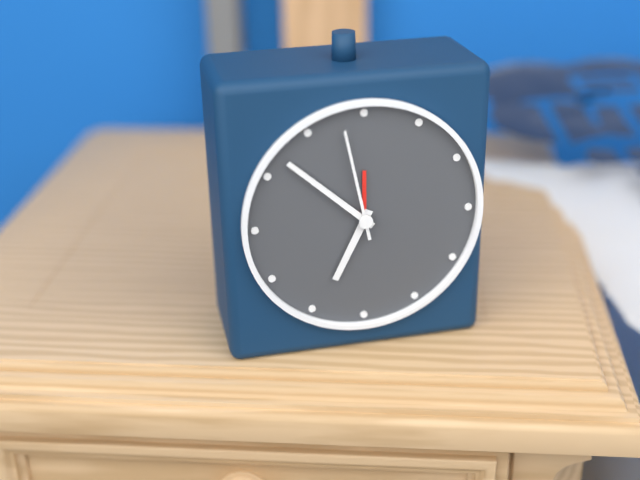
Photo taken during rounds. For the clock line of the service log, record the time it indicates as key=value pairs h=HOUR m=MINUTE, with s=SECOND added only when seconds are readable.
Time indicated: h=6 m=52 s=58
